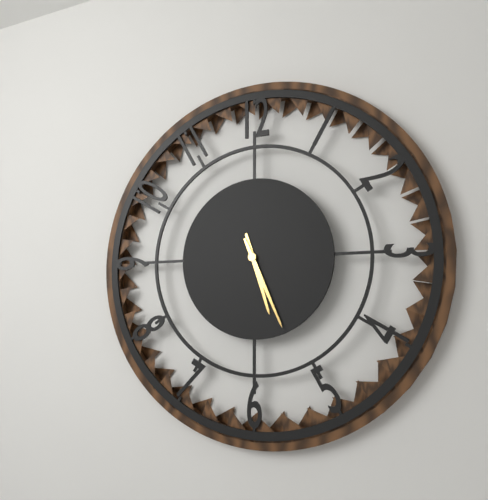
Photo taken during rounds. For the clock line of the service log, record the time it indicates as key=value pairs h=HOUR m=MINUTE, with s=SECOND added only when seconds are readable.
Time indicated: h=5 m=26
